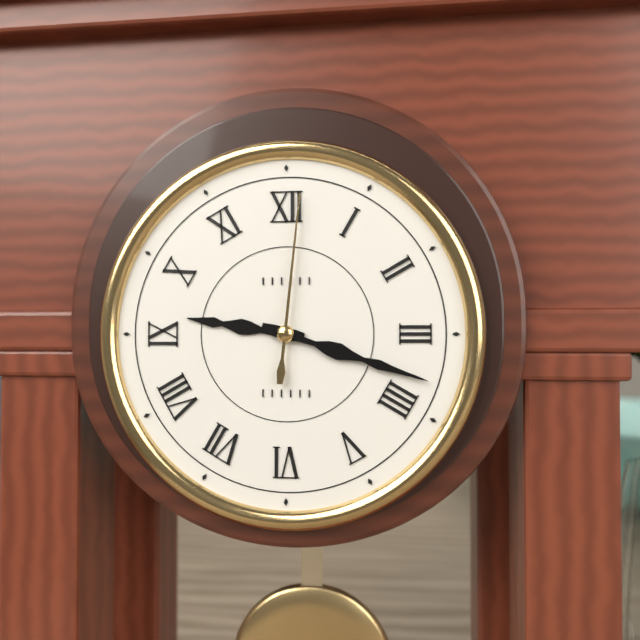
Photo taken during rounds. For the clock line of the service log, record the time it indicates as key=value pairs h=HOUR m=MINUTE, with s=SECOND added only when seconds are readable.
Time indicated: h=9 m=18 s=1
